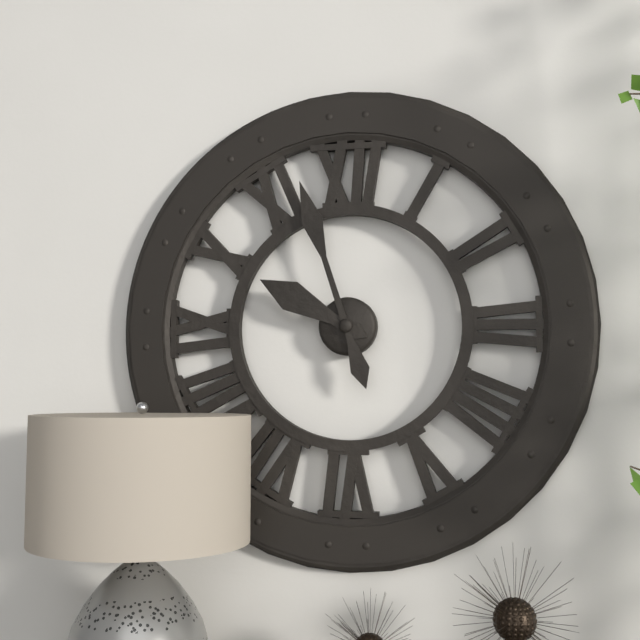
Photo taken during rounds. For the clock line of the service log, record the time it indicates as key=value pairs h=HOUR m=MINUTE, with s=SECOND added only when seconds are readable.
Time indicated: h=9 m=57
